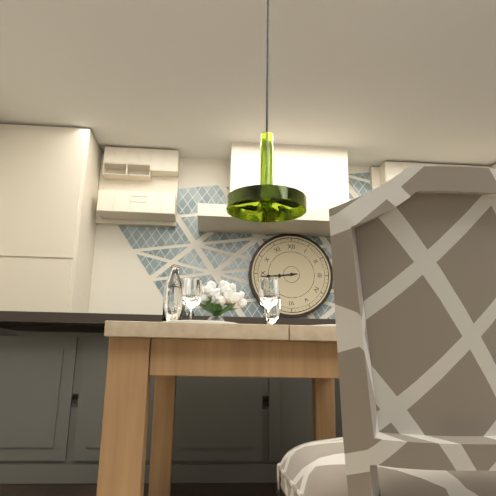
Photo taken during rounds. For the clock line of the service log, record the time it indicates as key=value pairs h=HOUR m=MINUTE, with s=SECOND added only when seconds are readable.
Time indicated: h=8 m=44
